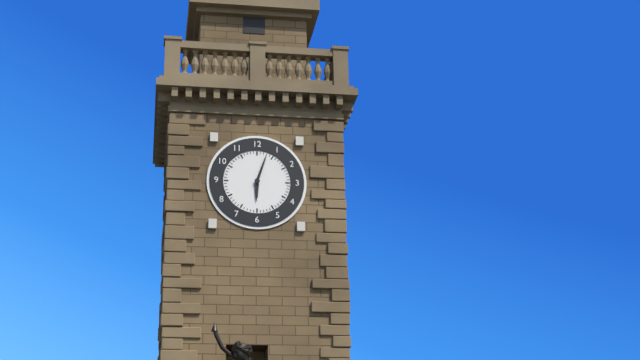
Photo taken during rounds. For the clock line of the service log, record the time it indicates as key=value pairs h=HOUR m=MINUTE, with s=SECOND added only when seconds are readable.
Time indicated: h=6 m=3
